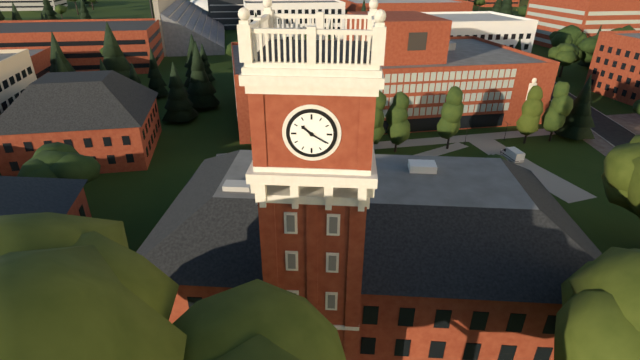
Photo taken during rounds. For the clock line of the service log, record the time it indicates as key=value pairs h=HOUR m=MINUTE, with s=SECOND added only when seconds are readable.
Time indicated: h=10 m=20
